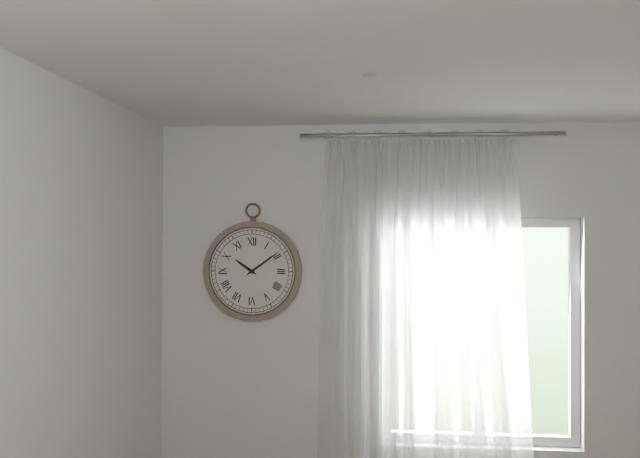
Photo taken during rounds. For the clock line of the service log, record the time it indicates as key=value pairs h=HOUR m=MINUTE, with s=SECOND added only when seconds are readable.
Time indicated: h=10 m=9
